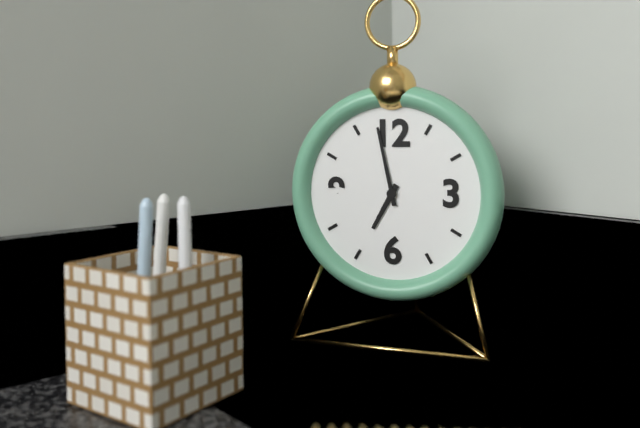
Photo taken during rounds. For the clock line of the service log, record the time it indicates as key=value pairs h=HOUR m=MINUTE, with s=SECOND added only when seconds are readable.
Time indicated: h=6 m=58
